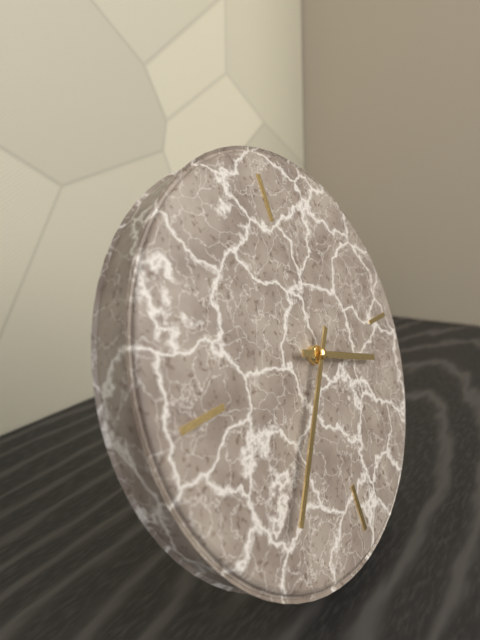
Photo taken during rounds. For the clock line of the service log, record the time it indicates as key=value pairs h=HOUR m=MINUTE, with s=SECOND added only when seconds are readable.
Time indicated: h=3 m=37
